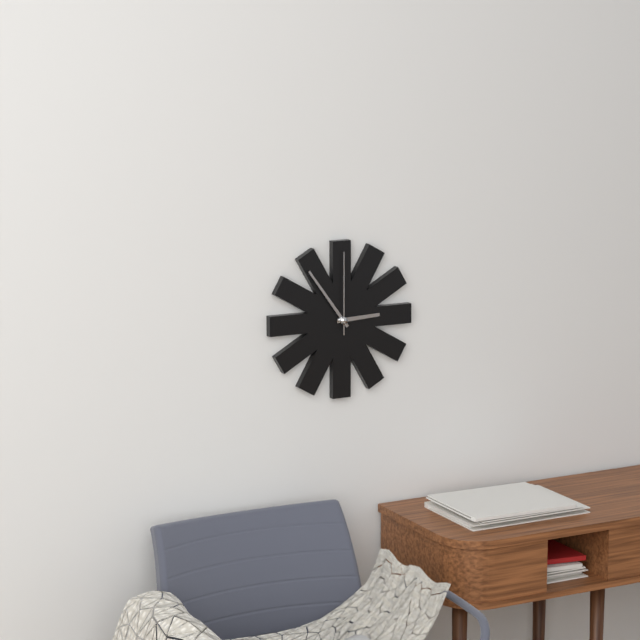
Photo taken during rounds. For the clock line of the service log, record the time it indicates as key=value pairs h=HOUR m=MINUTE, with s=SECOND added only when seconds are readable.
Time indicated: h=2 m=54 s=0
